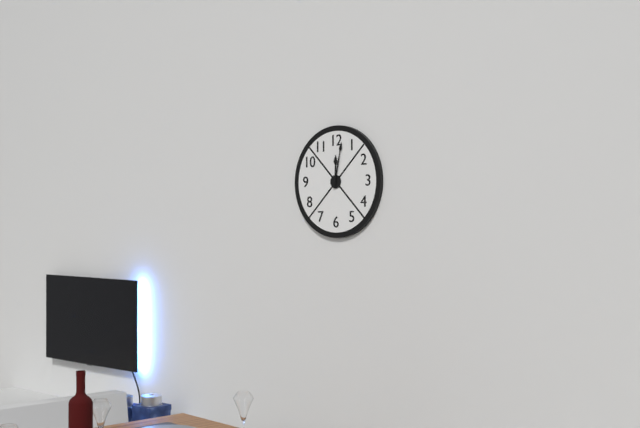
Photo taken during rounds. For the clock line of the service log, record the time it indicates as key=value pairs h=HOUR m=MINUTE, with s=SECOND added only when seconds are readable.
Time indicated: h=12 m=2
